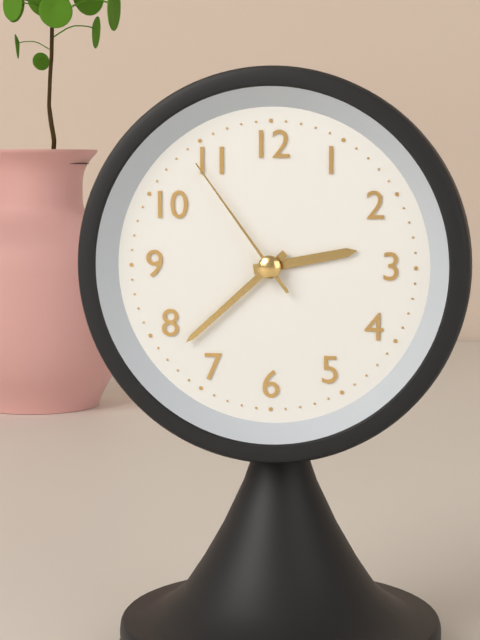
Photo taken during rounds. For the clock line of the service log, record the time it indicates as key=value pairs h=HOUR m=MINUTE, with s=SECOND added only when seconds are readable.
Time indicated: h=2 m=38 s=54
